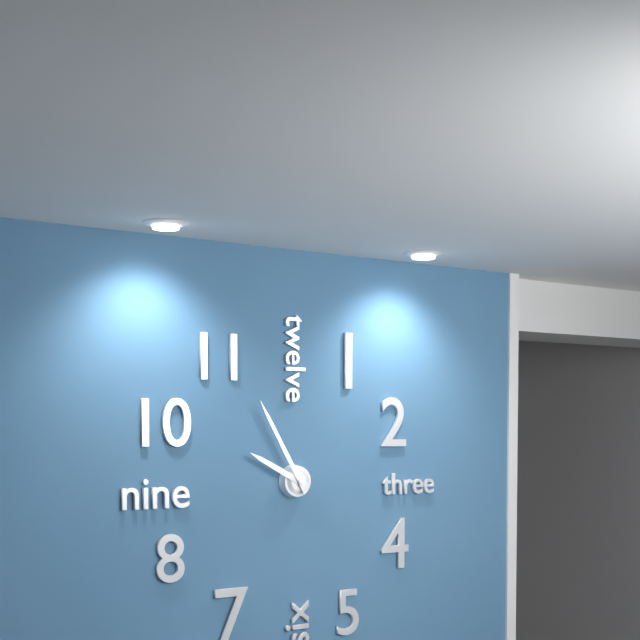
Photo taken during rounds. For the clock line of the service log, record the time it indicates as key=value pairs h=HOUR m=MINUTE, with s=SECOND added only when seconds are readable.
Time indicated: h=9 m=55
